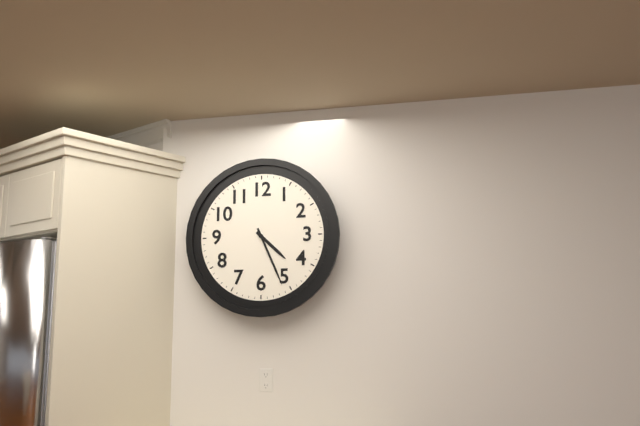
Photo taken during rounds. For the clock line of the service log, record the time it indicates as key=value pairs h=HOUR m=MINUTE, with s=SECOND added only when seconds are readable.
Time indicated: h=4 m=26
